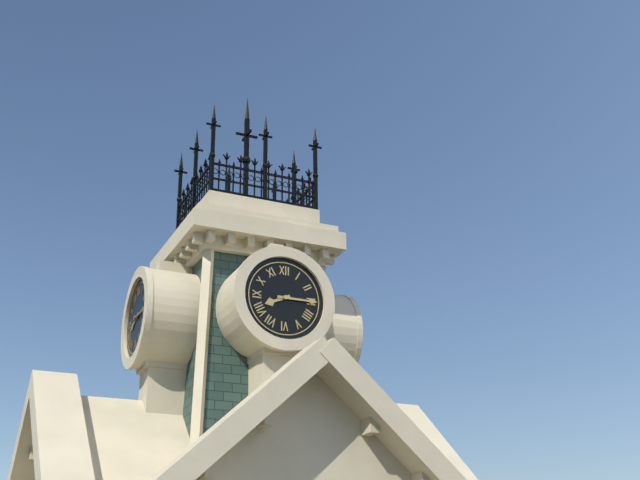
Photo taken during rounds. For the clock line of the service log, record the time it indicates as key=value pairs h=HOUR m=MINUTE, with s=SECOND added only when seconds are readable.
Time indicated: h=8 m=15
